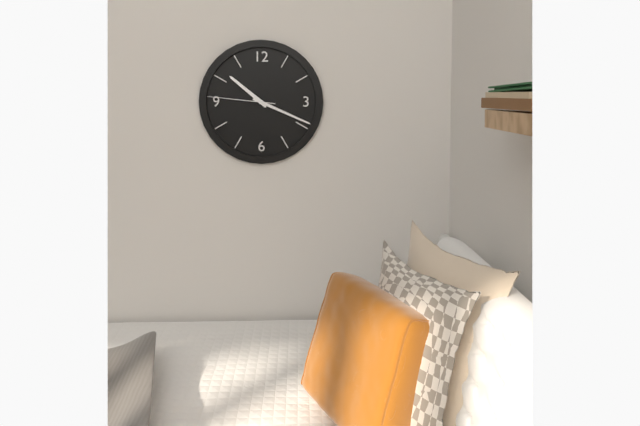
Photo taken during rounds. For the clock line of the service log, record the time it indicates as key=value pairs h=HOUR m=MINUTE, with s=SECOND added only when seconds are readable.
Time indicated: h=10 m=19 s=46
